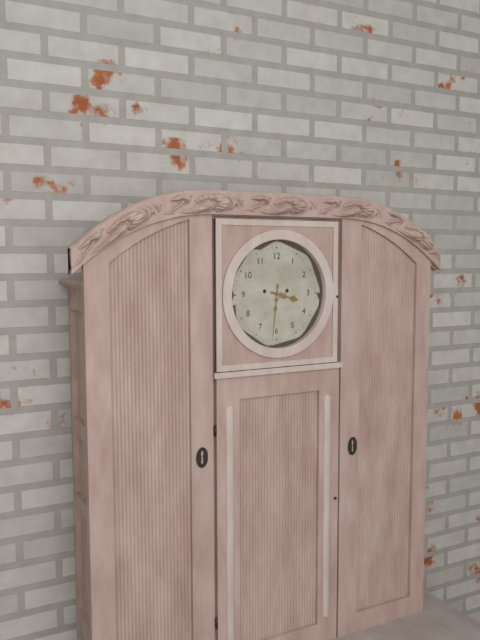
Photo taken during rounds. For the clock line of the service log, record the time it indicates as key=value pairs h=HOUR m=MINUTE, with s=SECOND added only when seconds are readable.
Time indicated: h=3 m=31
